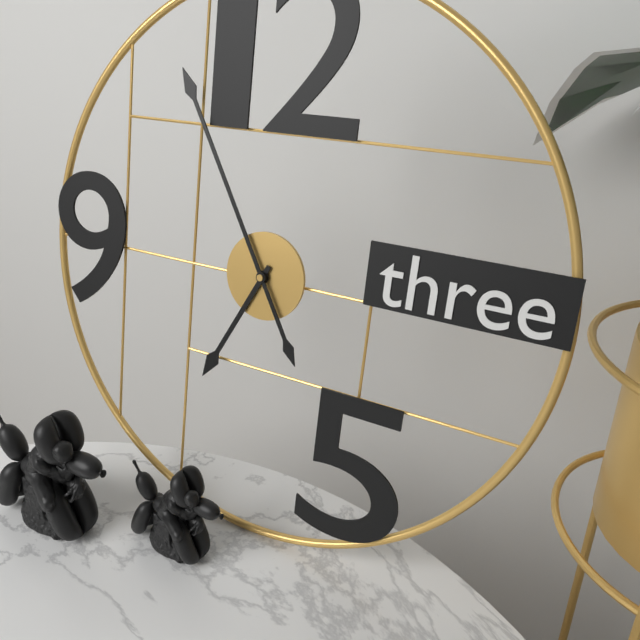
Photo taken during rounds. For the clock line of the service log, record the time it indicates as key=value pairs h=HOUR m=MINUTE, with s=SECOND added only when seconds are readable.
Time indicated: h=6 m=55
